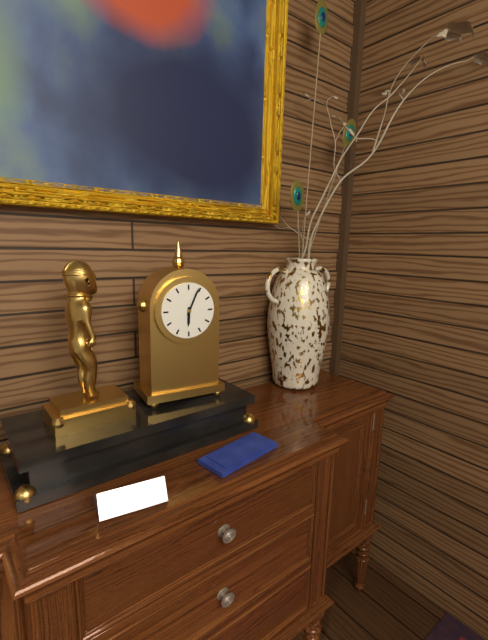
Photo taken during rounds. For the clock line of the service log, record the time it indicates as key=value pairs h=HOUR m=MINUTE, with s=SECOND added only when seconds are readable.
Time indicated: h=6 m=4
